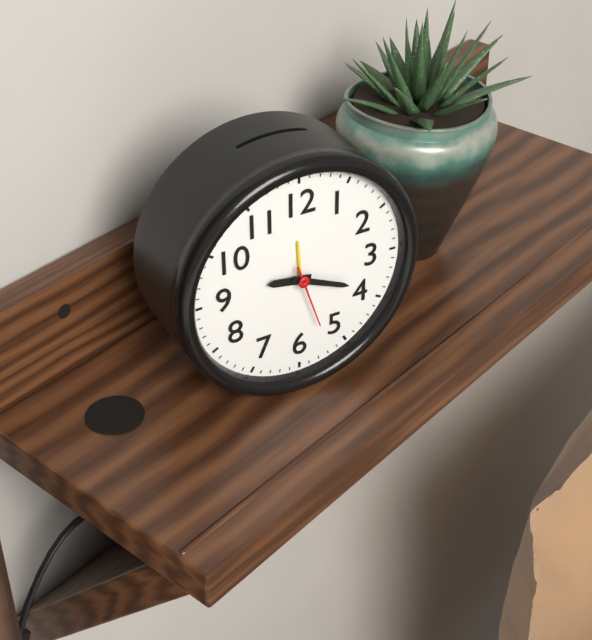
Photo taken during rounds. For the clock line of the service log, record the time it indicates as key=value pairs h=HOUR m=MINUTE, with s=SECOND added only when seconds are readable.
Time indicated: h=9 m=19 s=27
